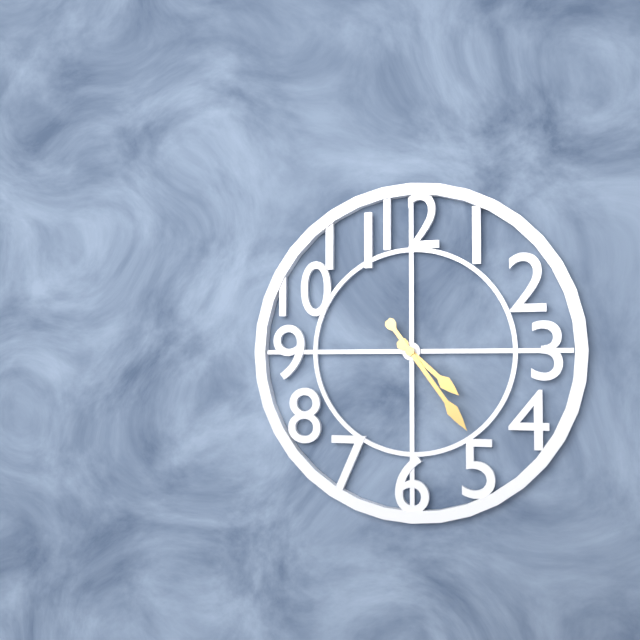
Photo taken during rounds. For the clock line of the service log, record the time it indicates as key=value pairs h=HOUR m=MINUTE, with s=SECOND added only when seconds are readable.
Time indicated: h=4 m=24
